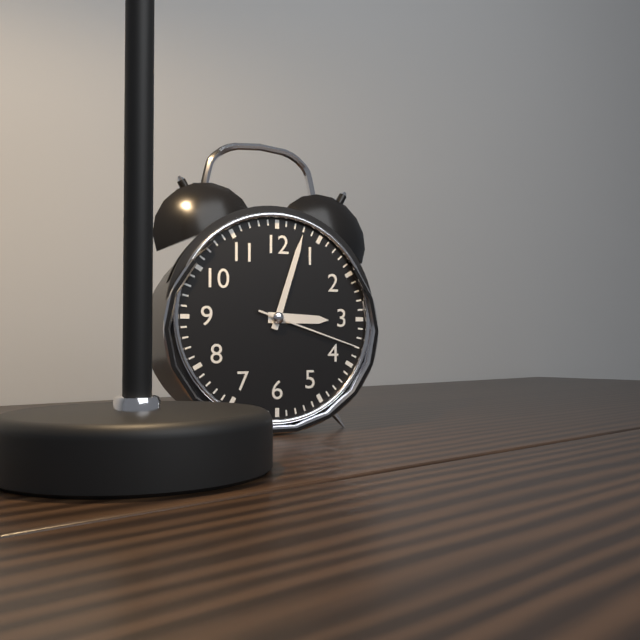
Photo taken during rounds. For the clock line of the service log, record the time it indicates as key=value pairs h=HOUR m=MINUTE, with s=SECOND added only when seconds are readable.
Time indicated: h=3 m=3 s=18
